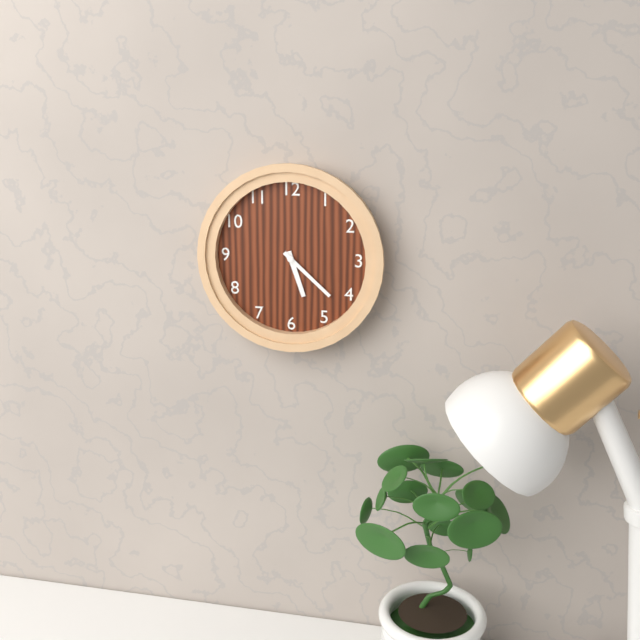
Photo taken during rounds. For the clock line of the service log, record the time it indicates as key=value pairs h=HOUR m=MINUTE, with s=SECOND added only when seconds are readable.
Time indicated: h=5 m=22
